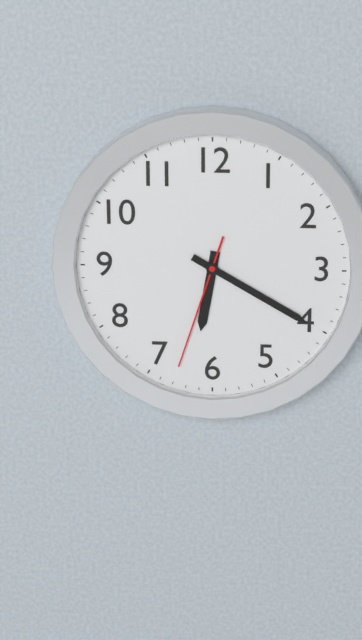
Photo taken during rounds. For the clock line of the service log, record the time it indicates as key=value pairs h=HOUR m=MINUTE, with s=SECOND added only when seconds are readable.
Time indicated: h=6 m=20 s=33
